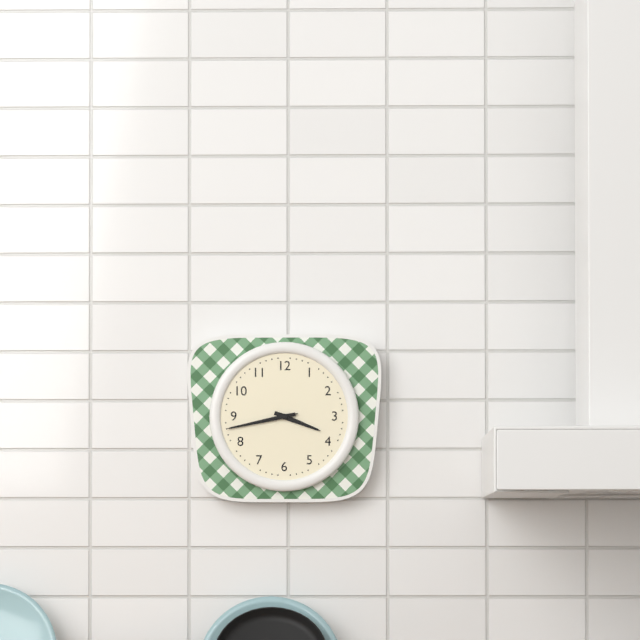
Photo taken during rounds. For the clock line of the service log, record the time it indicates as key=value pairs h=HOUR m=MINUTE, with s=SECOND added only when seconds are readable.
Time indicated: h=3 m=43 s=43
